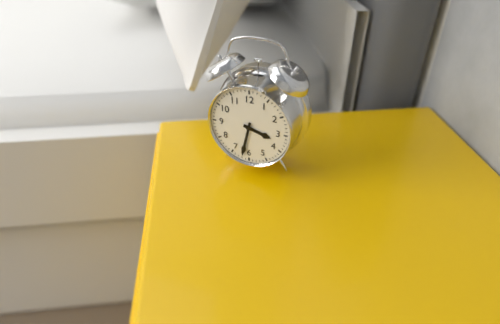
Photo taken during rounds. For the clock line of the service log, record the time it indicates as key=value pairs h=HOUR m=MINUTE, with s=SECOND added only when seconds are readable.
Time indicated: h=3 m=32
